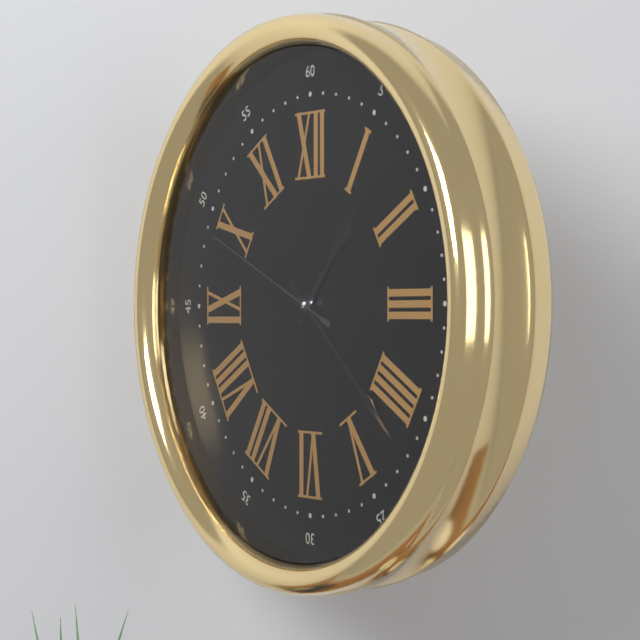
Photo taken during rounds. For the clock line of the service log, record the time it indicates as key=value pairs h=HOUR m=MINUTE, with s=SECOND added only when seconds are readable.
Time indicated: h=1 m=22 s=49
